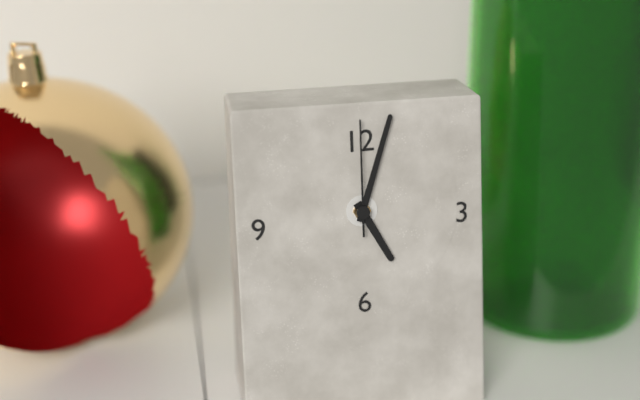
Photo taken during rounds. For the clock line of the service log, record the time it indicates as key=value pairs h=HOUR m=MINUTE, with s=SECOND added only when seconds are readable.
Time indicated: h=5 m=3 s=0
